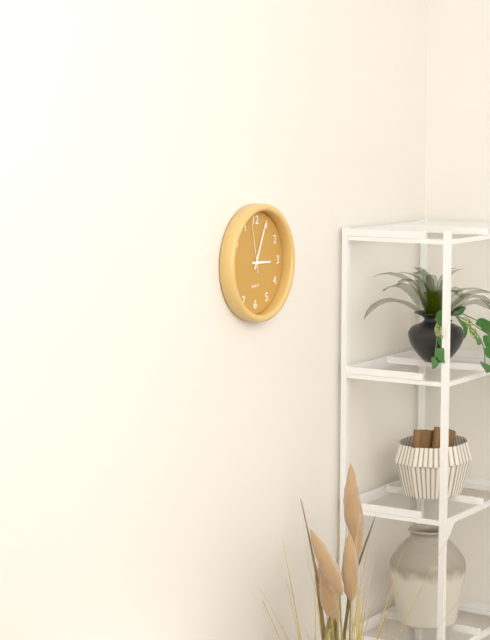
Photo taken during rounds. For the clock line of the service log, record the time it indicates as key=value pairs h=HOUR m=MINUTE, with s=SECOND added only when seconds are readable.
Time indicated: h=3 m=4 s=58
